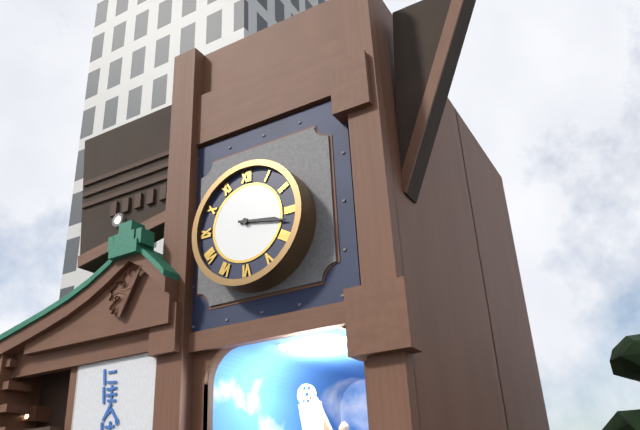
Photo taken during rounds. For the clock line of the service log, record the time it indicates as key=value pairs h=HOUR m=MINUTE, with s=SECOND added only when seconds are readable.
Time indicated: h=3 m=17
